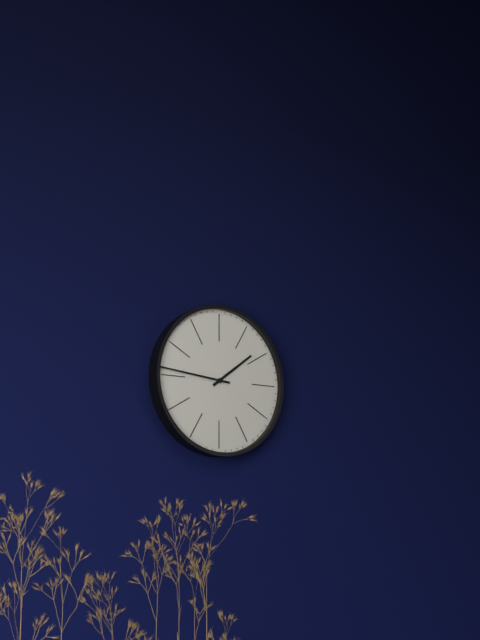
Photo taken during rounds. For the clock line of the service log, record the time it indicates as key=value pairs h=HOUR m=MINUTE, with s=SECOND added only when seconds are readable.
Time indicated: h=1 m=46
